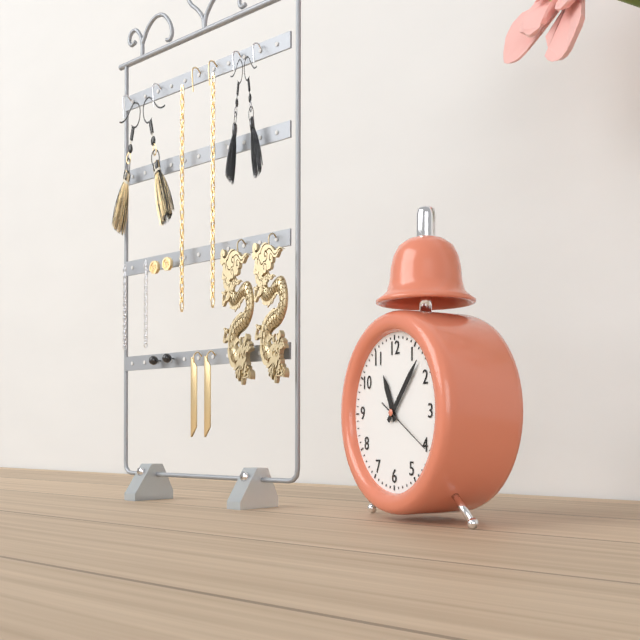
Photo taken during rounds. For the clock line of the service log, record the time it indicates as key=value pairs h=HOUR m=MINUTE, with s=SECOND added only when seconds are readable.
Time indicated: h=11 m=7 s=20
